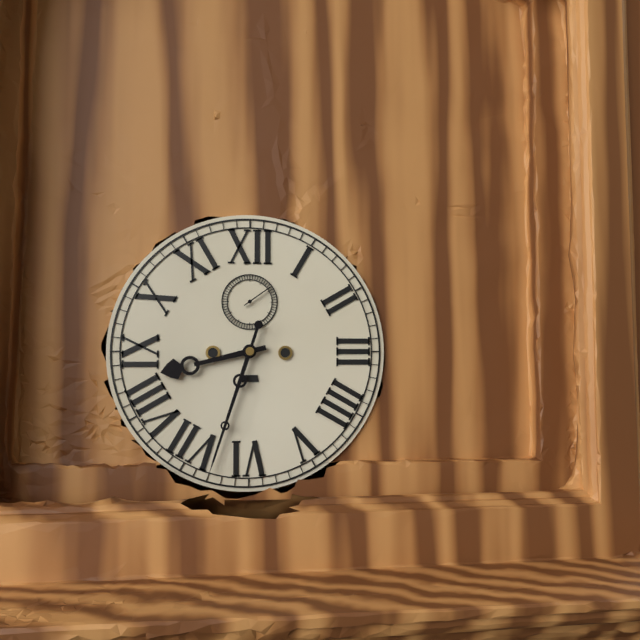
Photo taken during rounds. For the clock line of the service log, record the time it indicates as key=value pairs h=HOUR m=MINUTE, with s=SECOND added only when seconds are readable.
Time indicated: h=8 m=33
